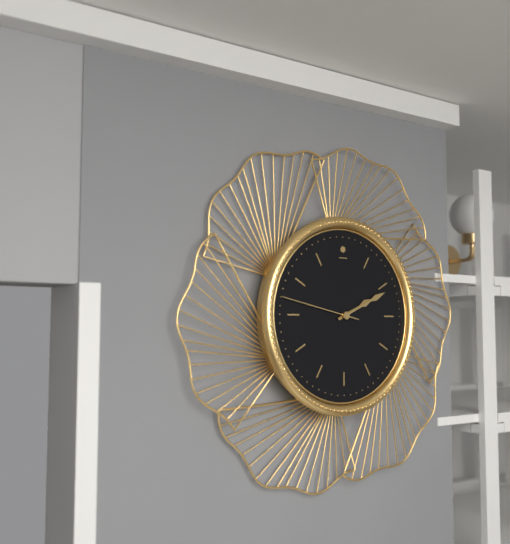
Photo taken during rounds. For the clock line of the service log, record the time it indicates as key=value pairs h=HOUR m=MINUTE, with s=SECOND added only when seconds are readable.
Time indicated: h=2 m=11 s=47
